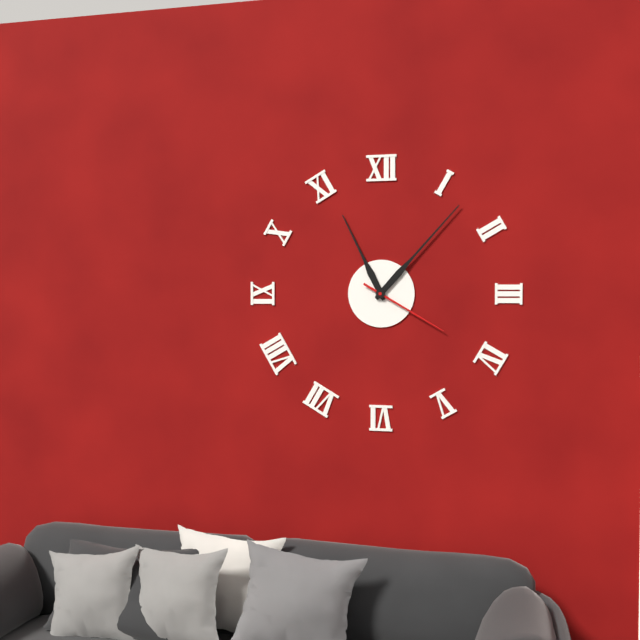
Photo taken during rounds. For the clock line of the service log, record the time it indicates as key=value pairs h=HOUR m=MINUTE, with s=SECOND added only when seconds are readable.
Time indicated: h=11 m=7 s=20
